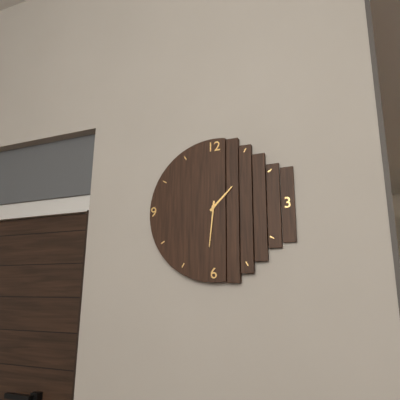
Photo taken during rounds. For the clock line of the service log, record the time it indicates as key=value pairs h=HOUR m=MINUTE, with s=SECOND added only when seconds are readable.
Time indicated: h=1 m=31
